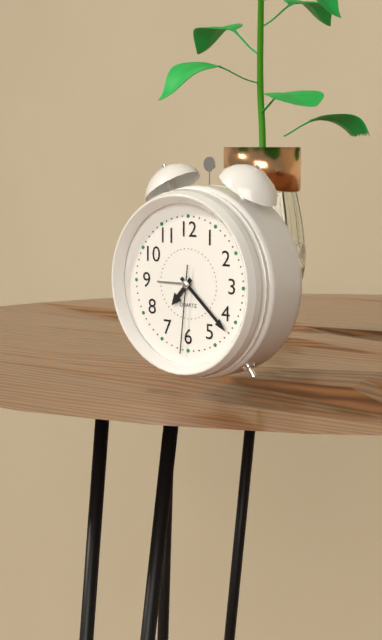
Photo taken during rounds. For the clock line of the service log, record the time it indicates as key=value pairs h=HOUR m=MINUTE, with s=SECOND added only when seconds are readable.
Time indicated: h=7 m=22 s=31
